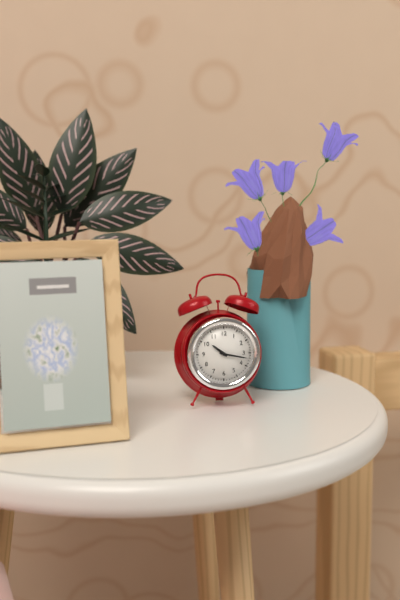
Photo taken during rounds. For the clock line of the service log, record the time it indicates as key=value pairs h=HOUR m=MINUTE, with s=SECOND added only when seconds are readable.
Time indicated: h=10 m=17
